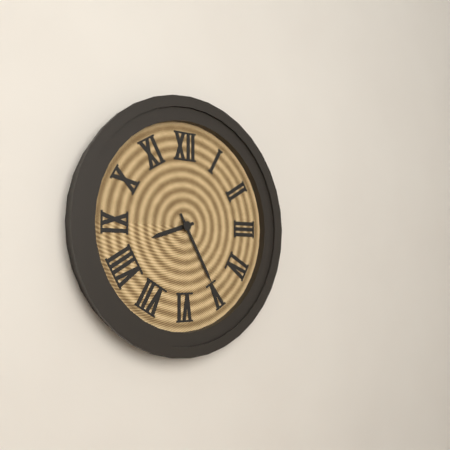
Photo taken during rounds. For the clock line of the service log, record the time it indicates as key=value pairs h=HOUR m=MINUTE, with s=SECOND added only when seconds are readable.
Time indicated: h=8 m=25
